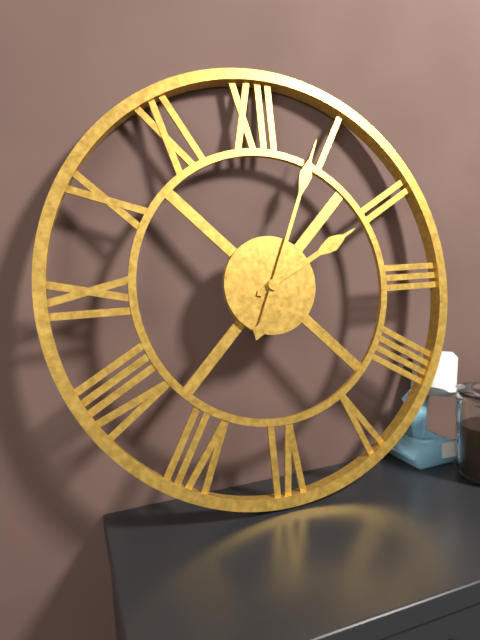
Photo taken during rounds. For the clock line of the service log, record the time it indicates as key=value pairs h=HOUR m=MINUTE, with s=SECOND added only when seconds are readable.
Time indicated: h=2 m=4
